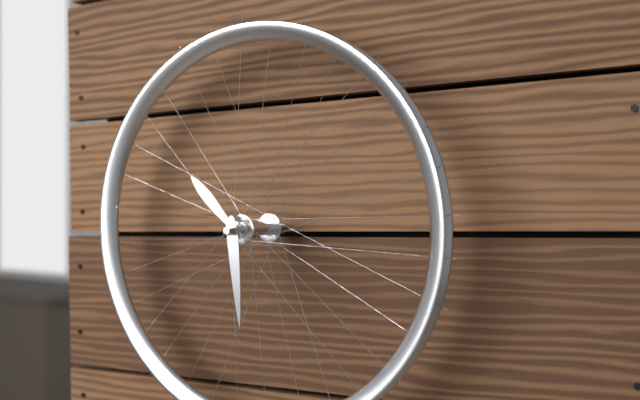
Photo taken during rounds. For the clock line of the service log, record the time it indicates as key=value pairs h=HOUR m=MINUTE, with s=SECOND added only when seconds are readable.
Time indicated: h=10 m=29
